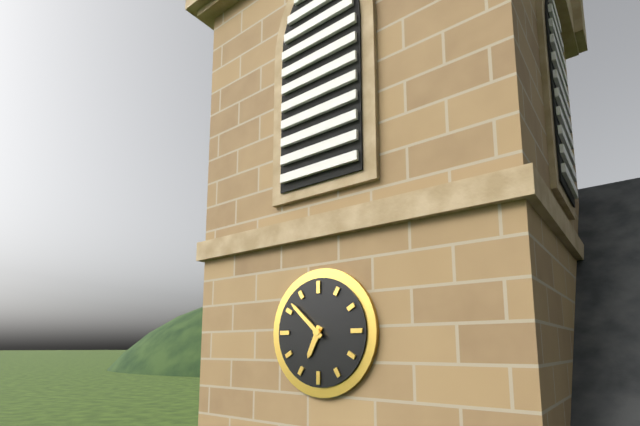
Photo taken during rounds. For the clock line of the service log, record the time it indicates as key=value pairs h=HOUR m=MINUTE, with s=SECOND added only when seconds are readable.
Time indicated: h=6 m=52
